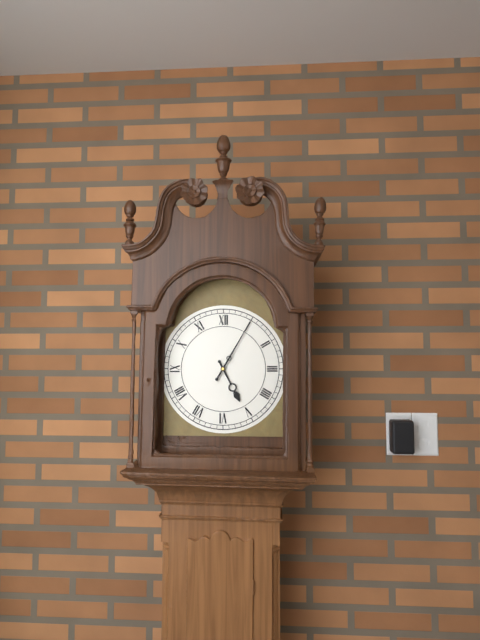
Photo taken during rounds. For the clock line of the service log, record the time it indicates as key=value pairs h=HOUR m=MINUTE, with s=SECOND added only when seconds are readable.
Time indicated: h=5 m=5
